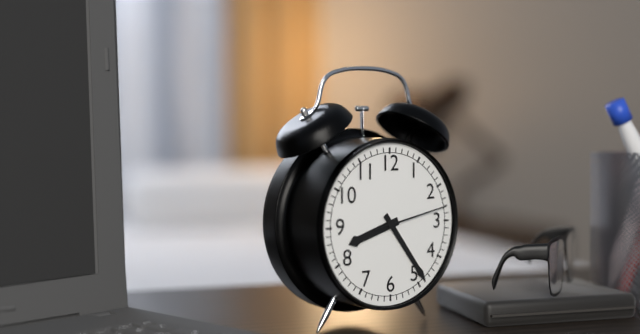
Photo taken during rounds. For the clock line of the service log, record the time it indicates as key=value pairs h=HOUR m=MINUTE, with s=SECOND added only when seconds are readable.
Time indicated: h=8 m=24 s=13
